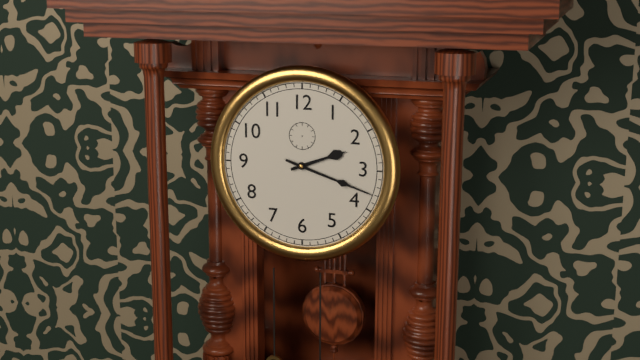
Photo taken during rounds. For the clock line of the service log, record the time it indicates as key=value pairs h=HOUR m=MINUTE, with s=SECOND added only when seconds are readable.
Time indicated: h=2 m=18
